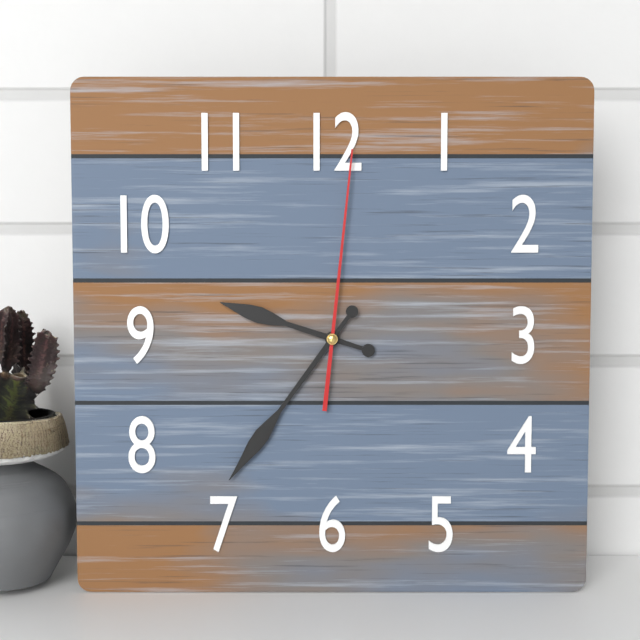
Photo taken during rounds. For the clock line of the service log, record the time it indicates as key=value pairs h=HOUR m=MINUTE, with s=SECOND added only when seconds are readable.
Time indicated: h=9 m=36 s=1
